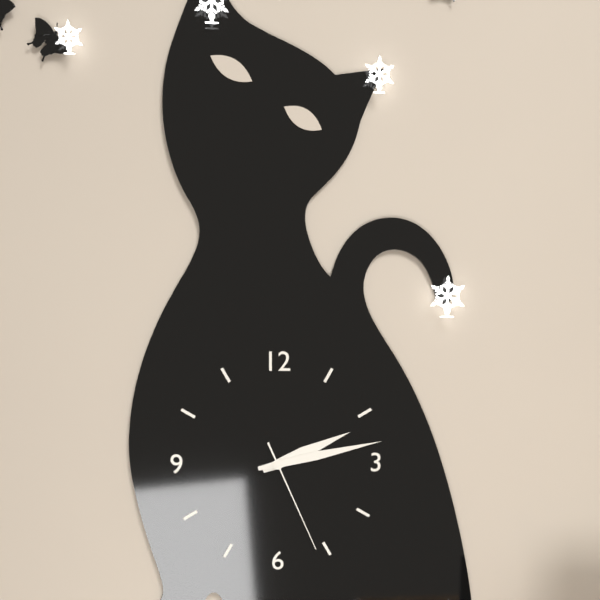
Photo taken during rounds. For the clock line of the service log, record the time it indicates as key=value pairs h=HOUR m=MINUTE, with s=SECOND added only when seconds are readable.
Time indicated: h=2 m=13 s=26
